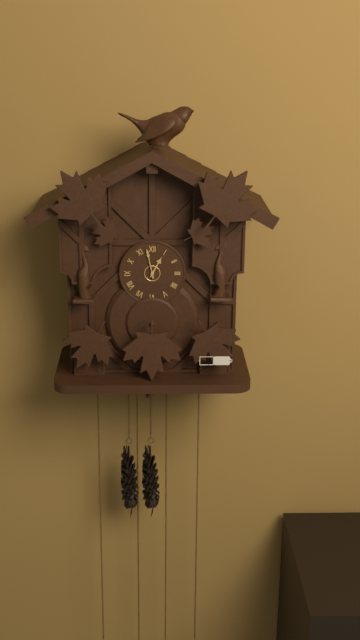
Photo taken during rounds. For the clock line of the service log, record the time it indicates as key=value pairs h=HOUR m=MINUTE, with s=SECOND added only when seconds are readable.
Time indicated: h=12 m=58
